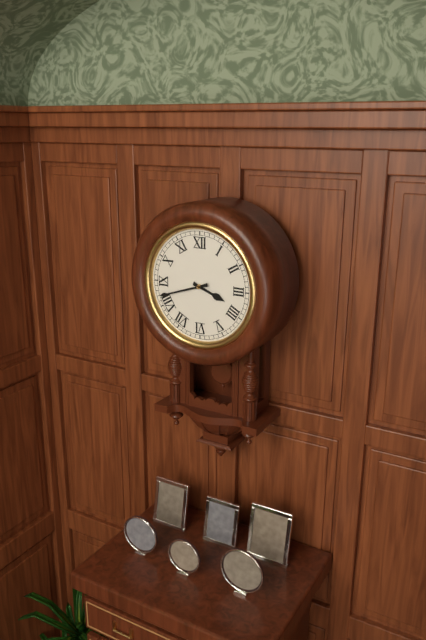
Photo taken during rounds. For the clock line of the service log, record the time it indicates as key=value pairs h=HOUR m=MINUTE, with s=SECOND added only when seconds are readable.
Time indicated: h=3 m=42
